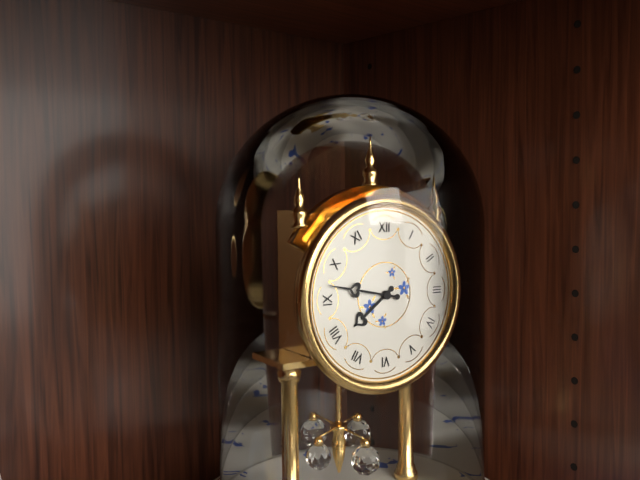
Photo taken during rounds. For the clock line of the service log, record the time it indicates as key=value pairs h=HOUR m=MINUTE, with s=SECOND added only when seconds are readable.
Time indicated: h=7 m=47
